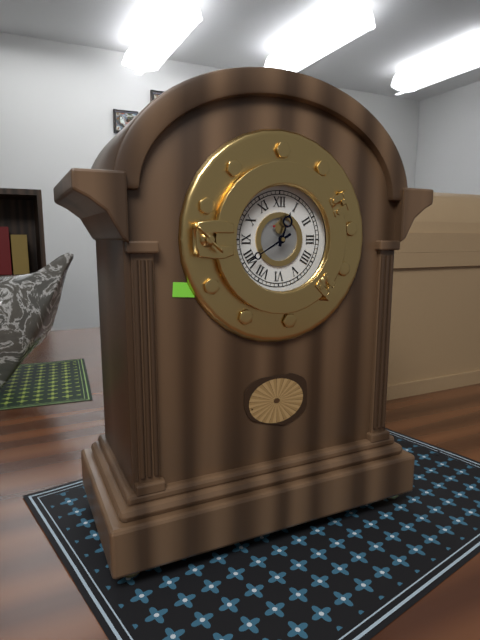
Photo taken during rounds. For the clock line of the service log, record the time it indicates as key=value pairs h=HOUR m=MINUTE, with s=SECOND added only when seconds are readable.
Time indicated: h=12 m=40
